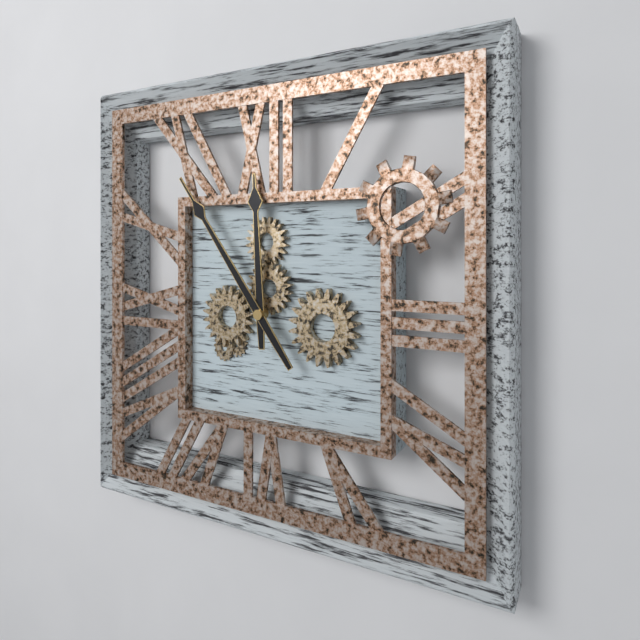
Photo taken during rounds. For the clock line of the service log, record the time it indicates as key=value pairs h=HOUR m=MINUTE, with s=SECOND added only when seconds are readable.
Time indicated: h=11 m=54
